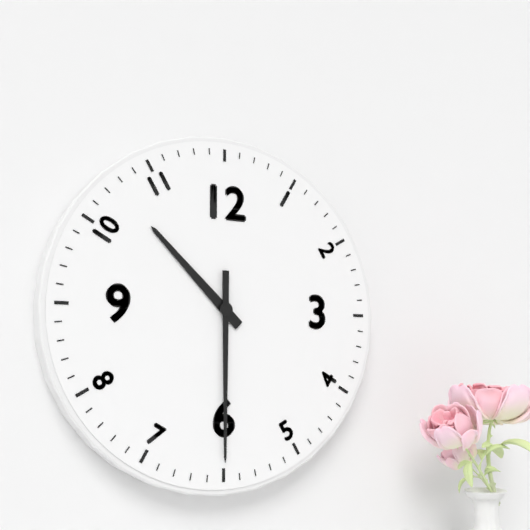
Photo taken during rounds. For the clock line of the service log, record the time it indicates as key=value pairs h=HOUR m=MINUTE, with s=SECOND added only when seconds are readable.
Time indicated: h=10 m=30
